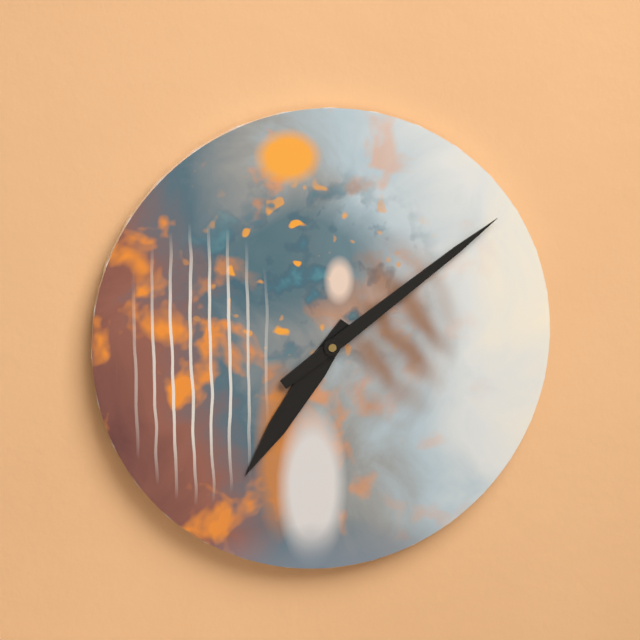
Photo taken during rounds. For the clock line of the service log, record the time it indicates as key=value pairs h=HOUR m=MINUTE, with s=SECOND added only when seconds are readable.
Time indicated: h=7 m=9
